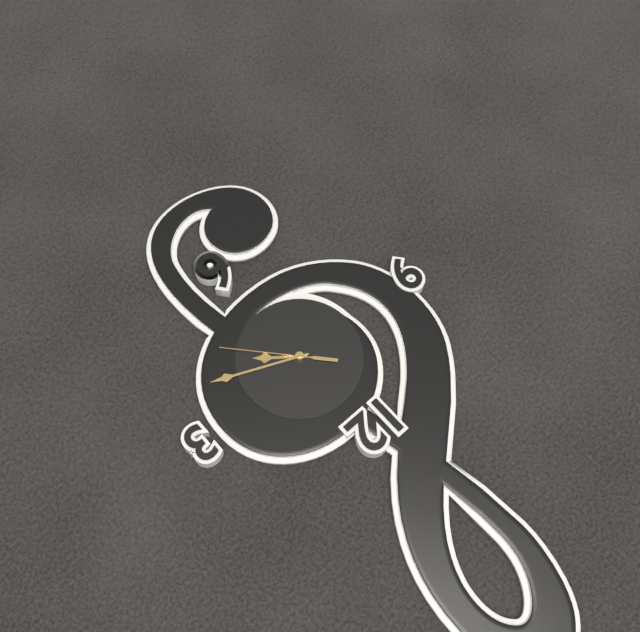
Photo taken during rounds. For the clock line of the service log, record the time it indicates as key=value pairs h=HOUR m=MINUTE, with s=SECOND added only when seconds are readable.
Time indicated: h=4 m=19 s=23
